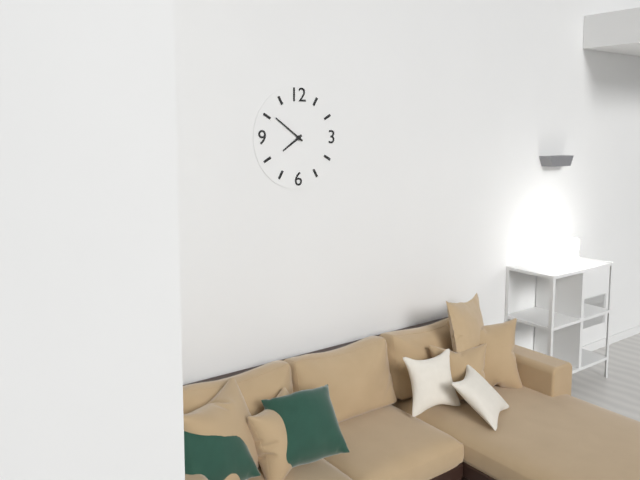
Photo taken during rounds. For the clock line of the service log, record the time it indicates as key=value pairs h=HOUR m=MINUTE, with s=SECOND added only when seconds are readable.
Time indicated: h=7 m=51
